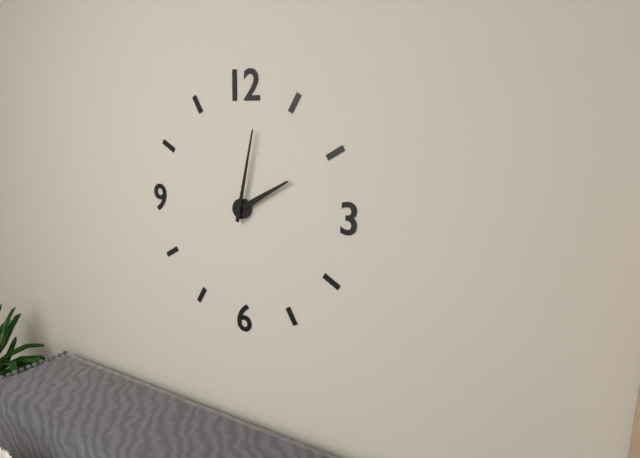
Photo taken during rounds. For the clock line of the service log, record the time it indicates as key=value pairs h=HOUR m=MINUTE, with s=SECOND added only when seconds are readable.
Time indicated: h=2 m=2
